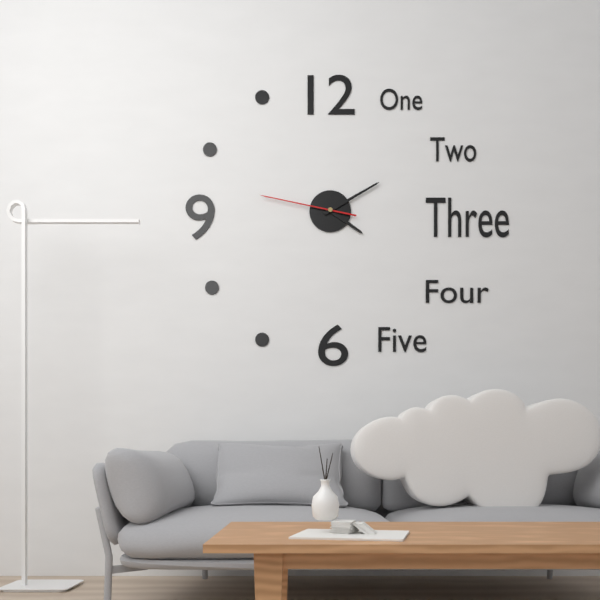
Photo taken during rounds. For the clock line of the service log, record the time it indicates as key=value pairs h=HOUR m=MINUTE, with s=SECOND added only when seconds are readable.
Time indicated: h=4 m=10 s=47
